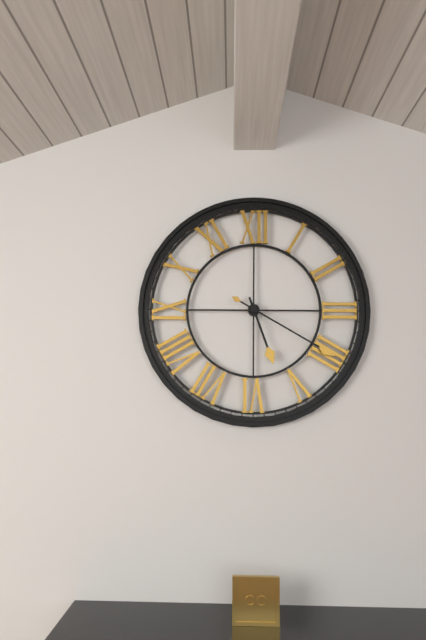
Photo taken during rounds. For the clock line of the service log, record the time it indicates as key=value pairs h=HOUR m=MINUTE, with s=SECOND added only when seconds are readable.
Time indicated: h=5 m=20
